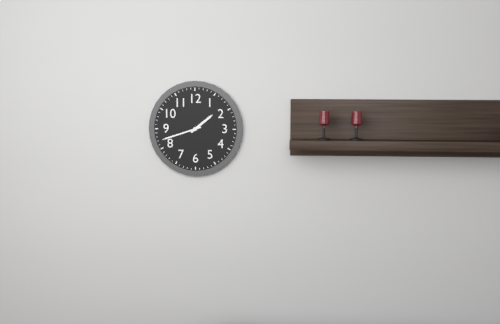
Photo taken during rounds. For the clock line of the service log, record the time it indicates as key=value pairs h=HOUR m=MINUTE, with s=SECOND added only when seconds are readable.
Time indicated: h=1 m=42
